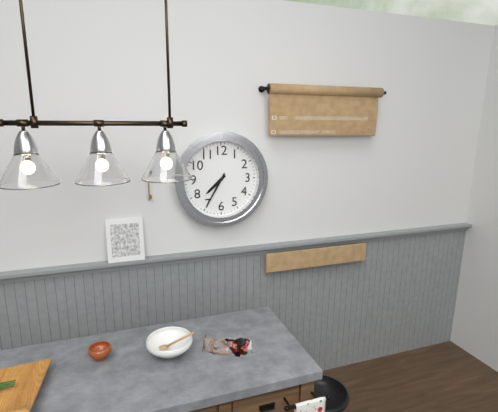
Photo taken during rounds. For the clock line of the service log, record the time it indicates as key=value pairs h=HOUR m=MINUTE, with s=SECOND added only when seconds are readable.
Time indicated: h=7 m=35
